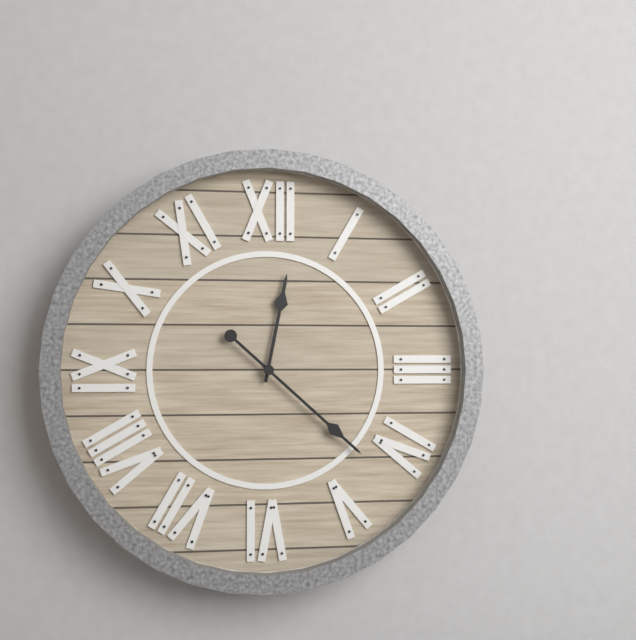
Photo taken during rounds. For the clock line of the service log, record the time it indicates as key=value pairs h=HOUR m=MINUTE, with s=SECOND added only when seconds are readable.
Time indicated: h=12 m=22
